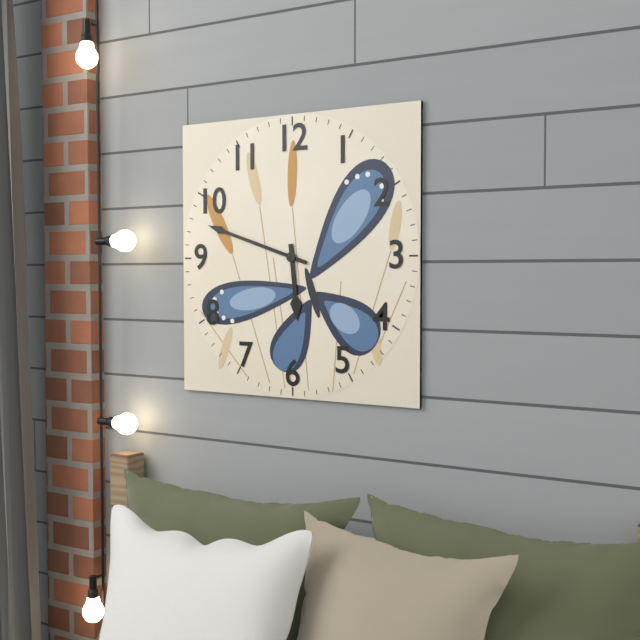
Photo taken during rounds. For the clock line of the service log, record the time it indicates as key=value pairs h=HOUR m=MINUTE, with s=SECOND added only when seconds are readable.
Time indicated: h=5 m=48
